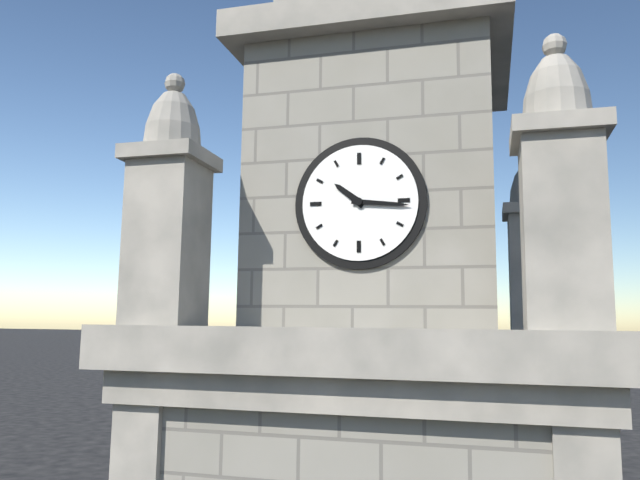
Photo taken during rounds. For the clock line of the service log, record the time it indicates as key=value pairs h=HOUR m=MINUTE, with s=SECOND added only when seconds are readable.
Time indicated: h=10 m=16
